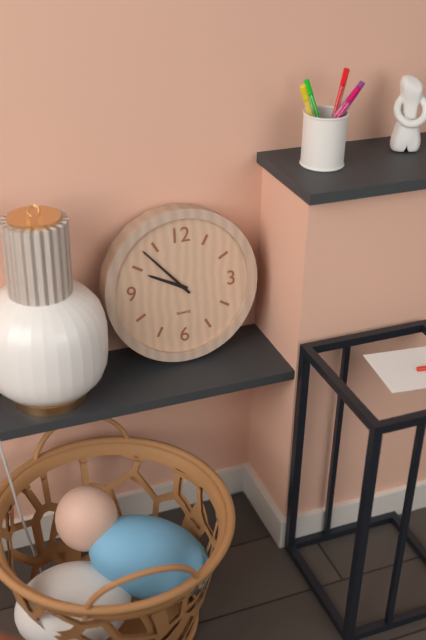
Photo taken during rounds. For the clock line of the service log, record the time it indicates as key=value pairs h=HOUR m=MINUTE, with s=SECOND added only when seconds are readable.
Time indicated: h=9 m=53
